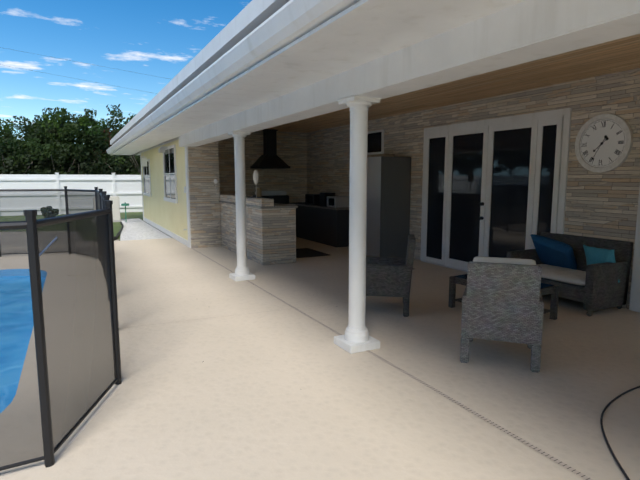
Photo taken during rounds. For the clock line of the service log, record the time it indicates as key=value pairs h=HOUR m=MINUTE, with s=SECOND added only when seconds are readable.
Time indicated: h=7 m=35
